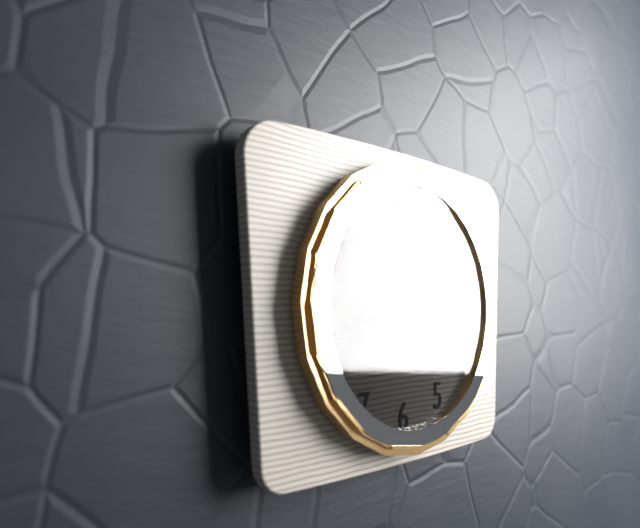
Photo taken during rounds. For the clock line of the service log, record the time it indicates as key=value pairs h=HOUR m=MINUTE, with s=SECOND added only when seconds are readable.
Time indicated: h=2 m=42
